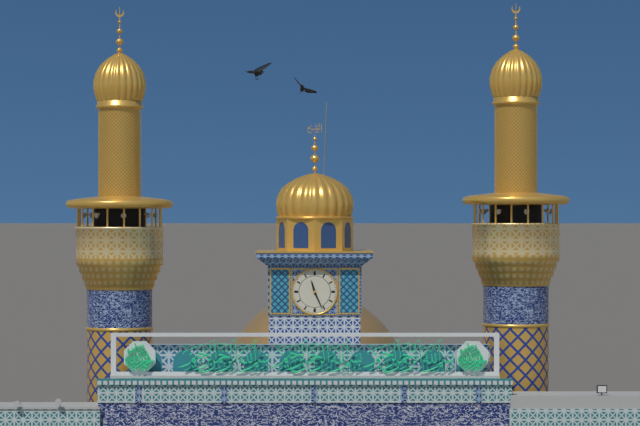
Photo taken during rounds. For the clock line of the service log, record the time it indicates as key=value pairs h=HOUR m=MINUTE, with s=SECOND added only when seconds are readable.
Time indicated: h=11 m=26
